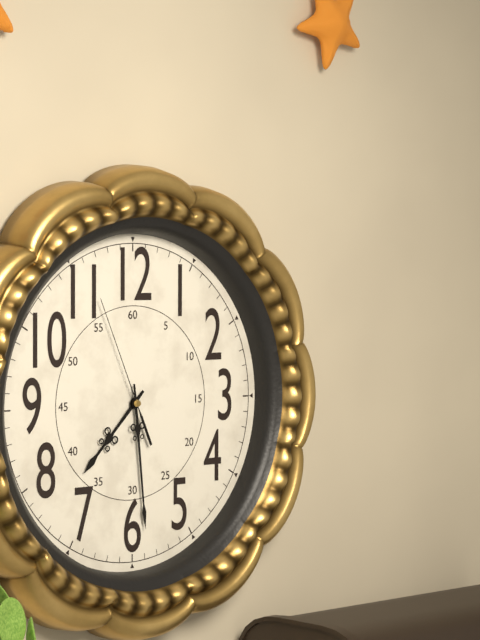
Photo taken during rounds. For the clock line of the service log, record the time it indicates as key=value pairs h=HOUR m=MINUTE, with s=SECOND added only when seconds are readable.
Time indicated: h=7 m=29 s=56
